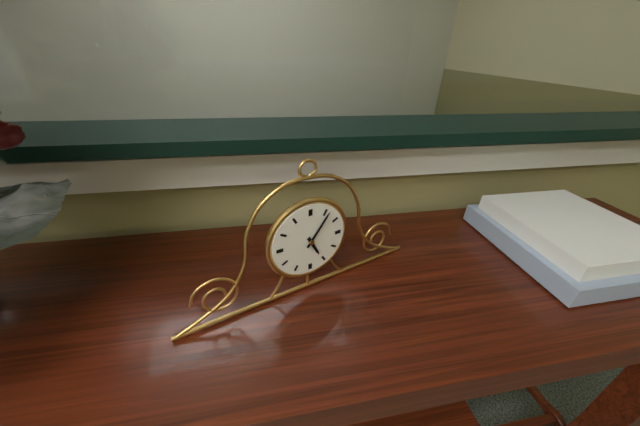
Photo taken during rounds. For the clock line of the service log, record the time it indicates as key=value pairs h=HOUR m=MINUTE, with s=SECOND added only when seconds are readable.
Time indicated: h=5 m=6
